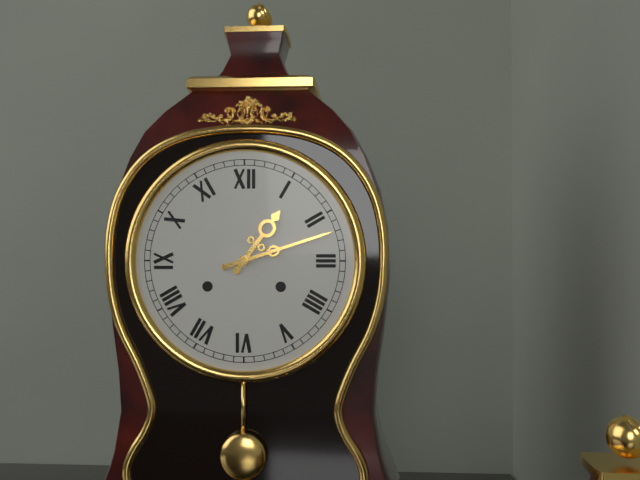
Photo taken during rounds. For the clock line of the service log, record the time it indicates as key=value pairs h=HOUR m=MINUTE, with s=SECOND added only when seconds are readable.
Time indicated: h=1 m=12
